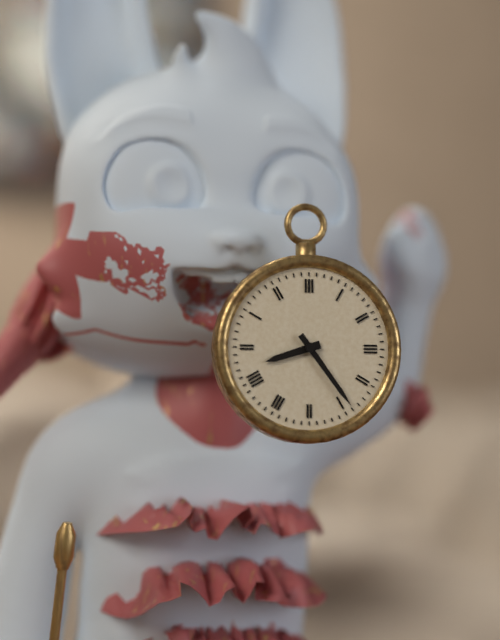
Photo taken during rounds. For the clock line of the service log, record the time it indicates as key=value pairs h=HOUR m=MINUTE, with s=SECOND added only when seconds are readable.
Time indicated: h=8 m=24
